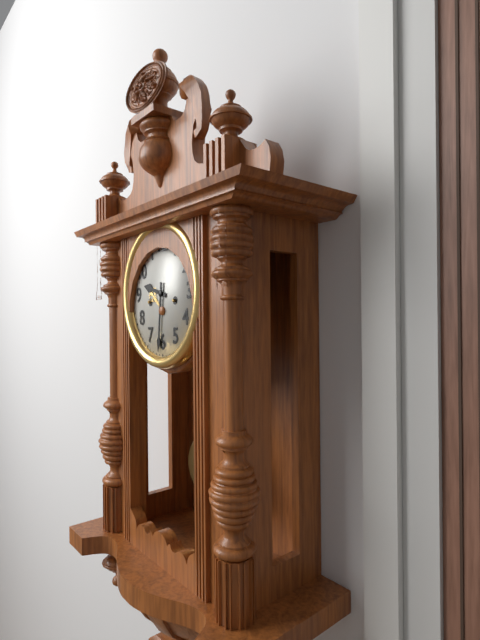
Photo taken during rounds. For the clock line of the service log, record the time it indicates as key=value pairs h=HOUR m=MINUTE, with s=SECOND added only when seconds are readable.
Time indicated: h=9 m=31
